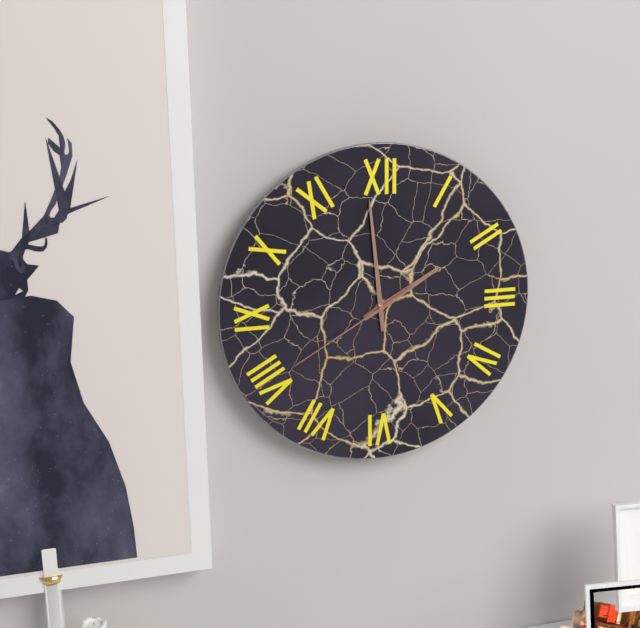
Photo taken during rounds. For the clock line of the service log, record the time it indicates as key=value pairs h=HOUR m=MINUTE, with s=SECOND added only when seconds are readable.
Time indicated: h=1 m=59 s=40
